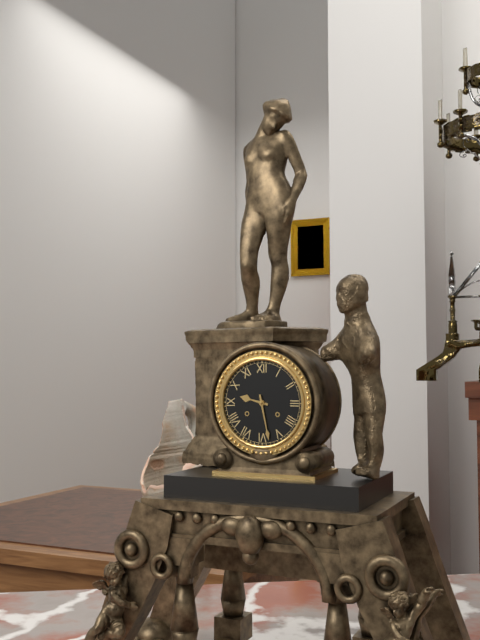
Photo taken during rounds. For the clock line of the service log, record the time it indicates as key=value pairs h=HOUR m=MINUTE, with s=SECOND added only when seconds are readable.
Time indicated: h=9 m=28
